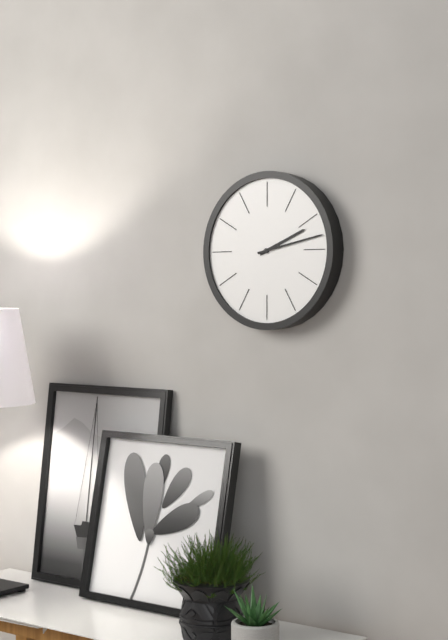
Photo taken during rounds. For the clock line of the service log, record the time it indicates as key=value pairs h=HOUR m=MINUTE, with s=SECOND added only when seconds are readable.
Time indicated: h=2 m=13
